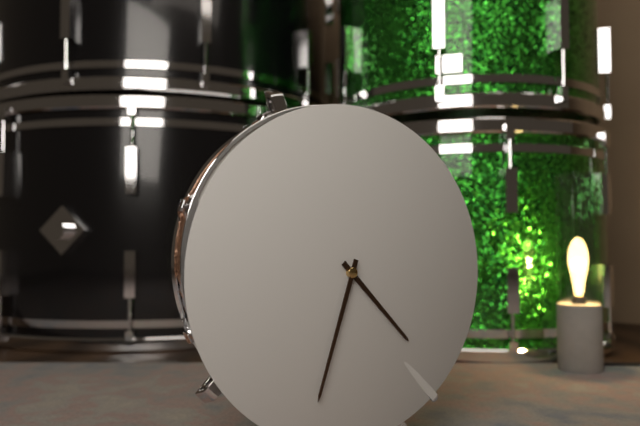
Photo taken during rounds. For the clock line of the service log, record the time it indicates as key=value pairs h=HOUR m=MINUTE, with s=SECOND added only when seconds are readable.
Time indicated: h=4 m=33
